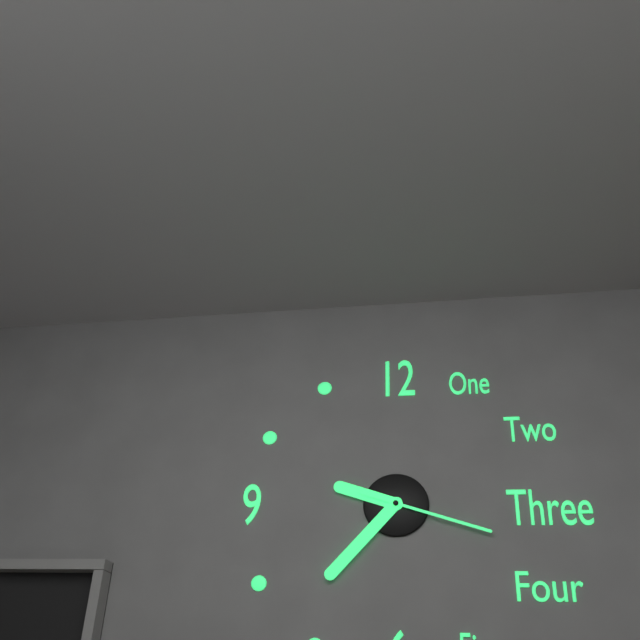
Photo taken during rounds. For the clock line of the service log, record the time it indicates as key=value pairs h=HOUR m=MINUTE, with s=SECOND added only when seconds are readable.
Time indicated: h=9 m=37 s=18
